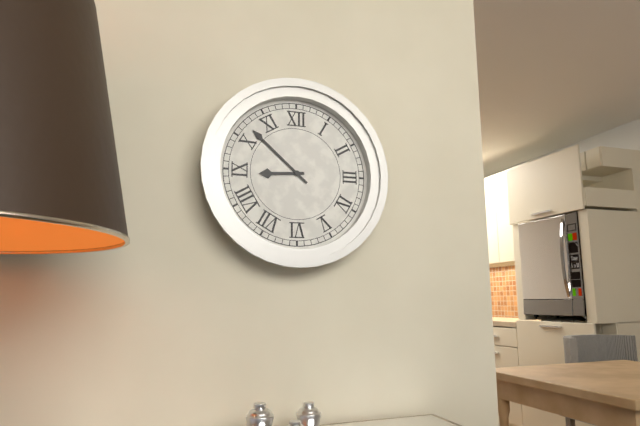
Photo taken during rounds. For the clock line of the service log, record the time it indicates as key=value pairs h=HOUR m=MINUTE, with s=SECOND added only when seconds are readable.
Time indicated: h=8 m=52
